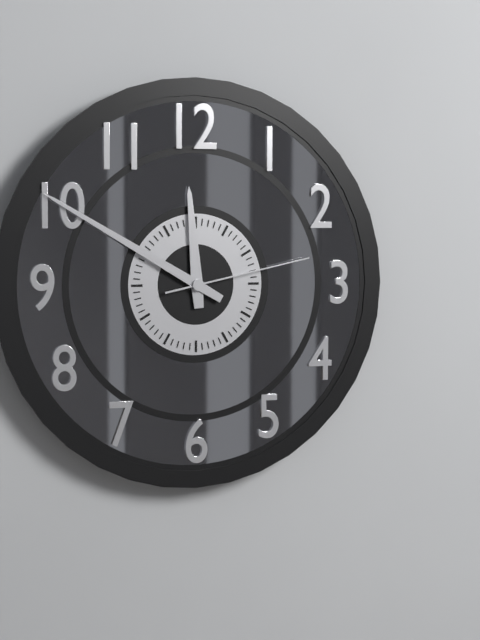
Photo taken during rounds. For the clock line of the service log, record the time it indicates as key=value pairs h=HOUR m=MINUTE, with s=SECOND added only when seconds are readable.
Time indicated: h=11 m=50 s=13
